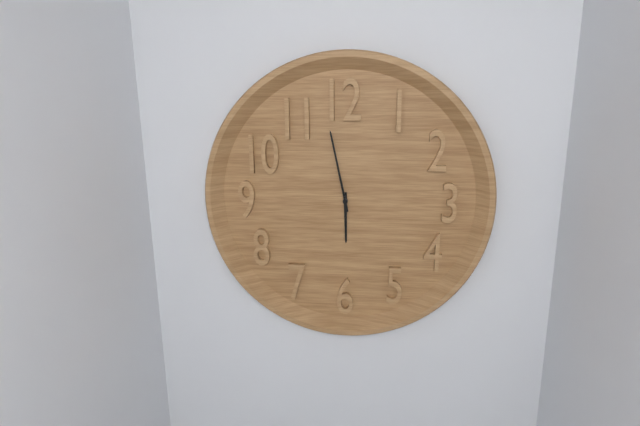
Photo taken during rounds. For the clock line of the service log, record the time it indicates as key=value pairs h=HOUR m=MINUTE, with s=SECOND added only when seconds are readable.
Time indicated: h=5 m=58
